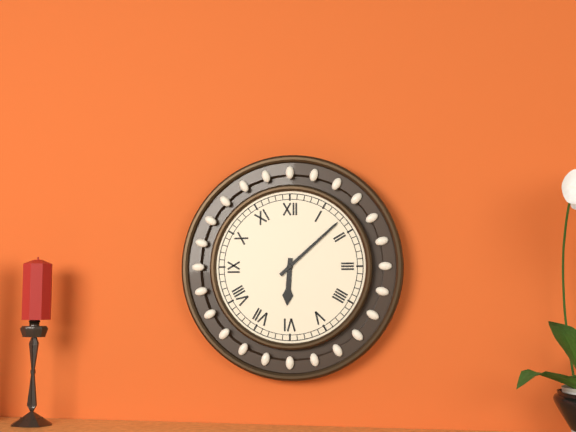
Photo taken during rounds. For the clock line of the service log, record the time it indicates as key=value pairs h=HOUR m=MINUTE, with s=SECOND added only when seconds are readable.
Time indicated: h=6 m=8
